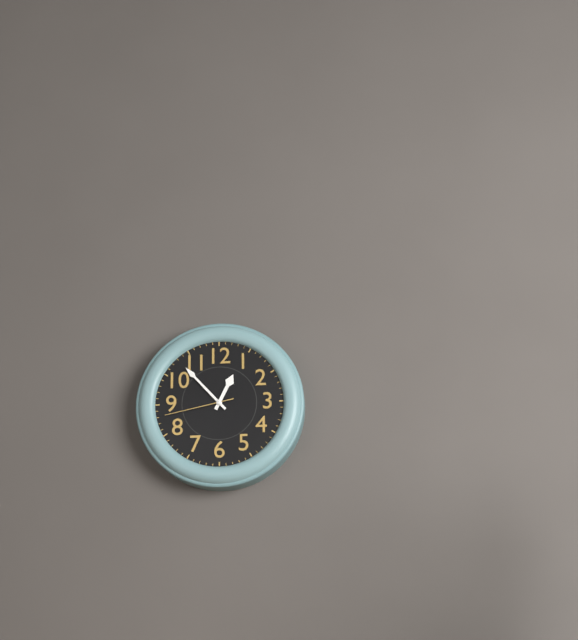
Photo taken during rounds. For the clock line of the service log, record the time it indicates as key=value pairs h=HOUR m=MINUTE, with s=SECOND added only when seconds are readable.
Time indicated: h=12 m=53 s=43
